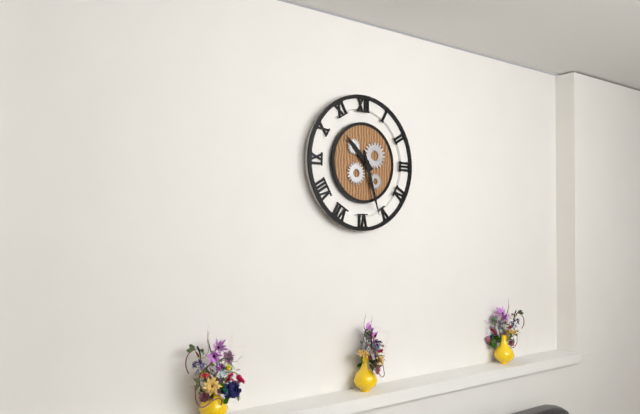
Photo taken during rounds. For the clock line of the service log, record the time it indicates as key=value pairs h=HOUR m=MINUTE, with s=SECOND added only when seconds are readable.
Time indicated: h=10 m=27
